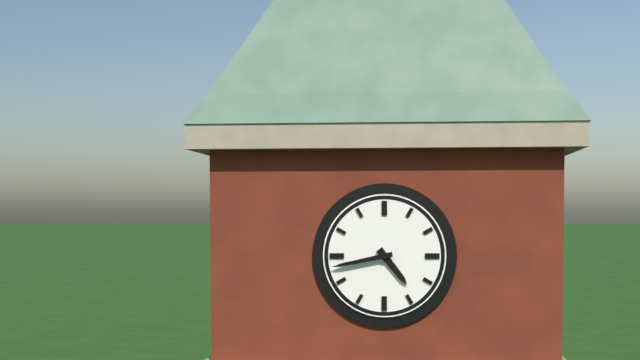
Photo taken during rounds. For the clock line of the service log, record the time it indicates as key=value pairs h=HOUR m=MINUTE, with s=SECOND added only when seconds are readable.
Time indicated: h=4 m=43
